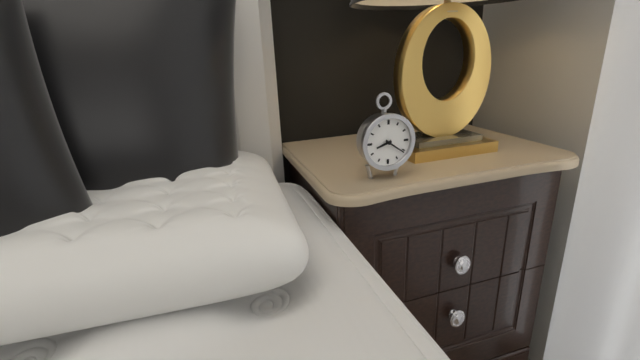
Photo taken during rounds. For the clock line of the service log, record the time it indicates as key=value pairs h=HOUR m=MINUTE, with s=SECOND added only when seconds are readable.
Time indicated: h=8 m=21
